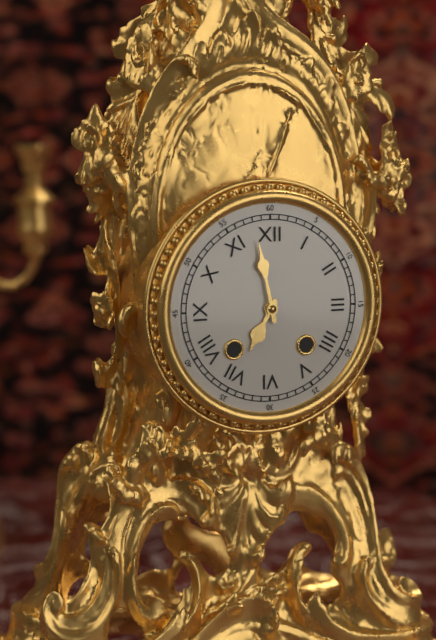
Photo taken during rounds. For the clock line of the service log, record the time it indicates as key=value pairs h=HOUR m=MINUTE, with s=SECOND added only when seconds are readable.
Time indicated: h=6 m=58
